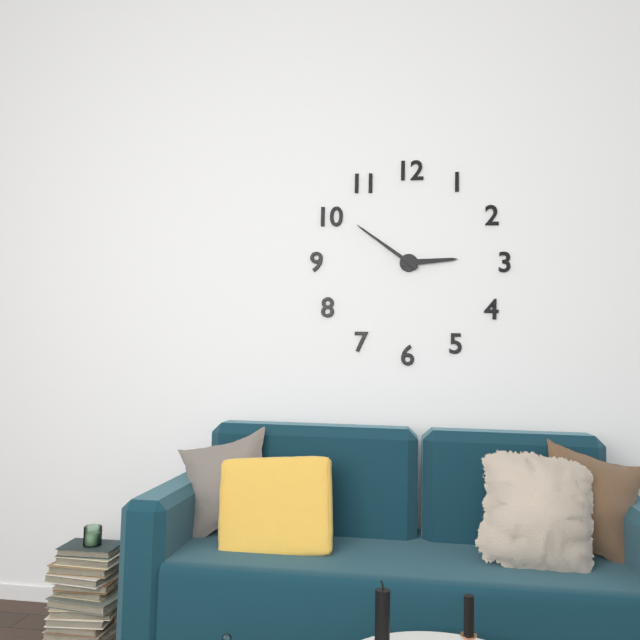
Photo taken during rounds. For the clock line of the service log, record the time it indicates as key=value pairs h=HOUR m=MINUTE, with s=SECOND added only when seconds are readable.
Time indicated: h=2 m=51
